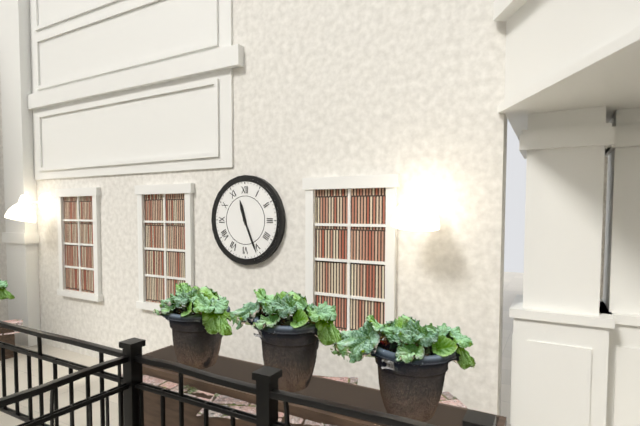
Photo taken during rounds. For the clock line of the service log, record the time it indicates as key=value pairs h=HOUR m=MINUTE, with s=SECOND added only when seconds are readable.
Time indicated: h=11 m=26
